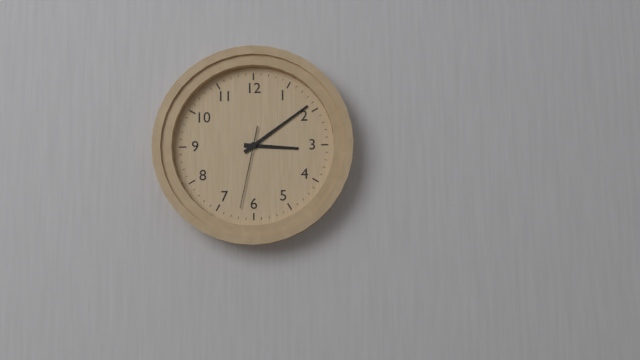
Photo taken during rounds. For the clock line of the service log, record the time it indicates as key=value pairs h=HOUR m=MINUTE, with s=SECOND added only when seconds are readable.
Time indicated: h=3 m=9 s=32
